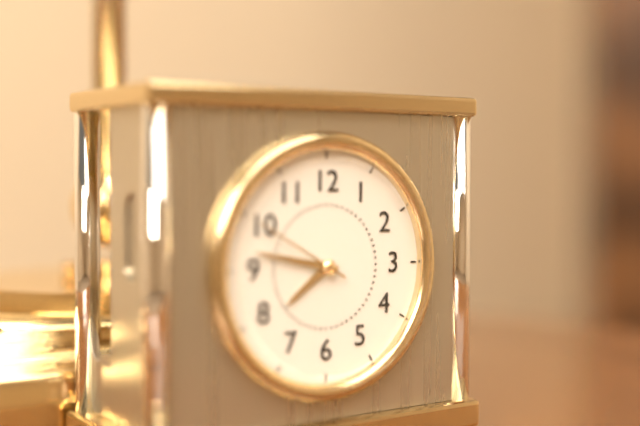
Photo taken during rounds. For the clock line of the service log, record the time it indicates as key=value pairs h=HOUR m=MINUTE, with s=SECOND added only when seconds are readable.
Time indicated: h=7 m=47 s=50
